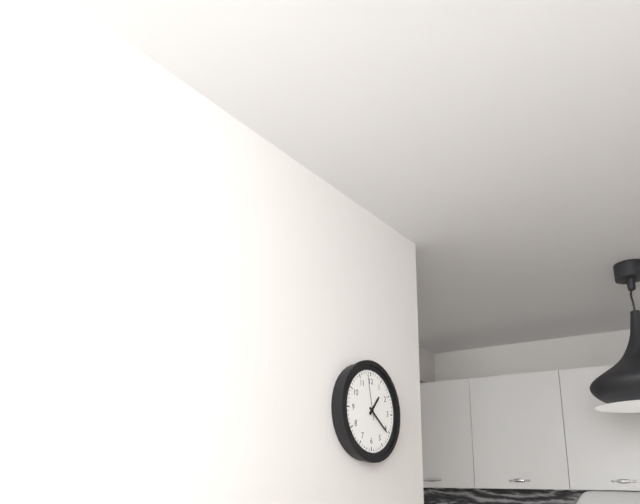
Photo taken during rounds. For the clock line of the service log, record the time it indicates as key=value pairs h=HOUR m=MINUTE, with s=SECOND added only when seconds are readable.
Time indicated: h=1 m=21
